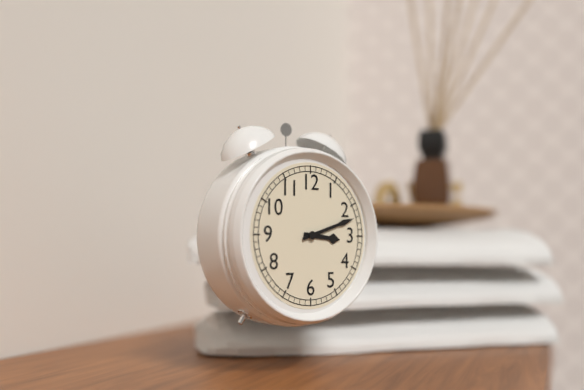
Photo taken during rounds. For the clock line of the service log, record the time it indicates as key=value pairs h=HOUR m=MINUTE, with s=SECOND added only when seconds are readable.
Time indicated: h=3 m=12
